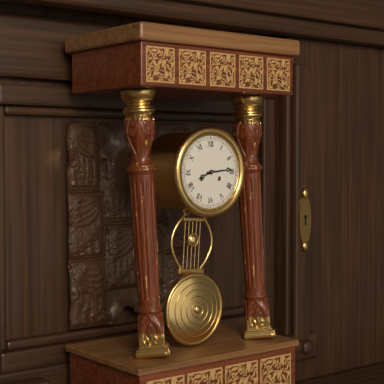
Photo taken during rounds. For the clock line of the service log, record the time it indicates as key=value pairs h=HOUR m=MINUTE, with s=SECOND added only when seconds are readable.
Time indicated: h=8 m=14
